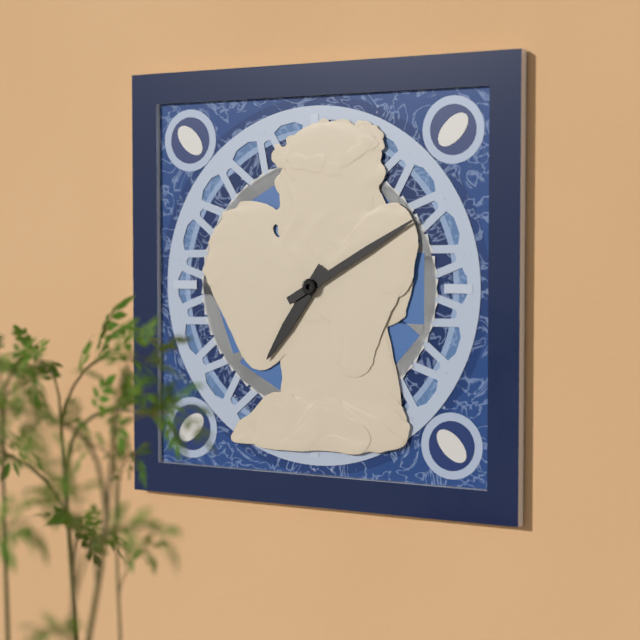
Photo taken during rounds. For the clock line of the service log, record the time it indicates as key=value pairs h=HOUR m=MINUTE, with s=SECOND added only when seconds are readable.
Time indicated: h=7 m=10
